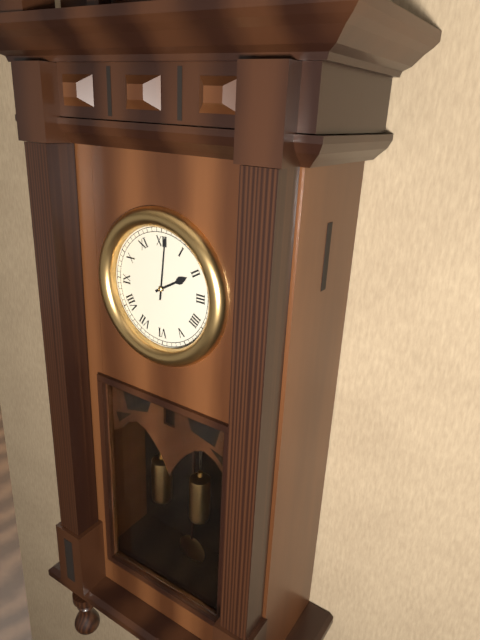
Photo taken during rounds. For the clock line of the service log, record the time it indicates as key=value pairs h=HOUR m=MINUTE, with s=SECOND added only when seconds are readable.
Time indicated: h=2 m=1
